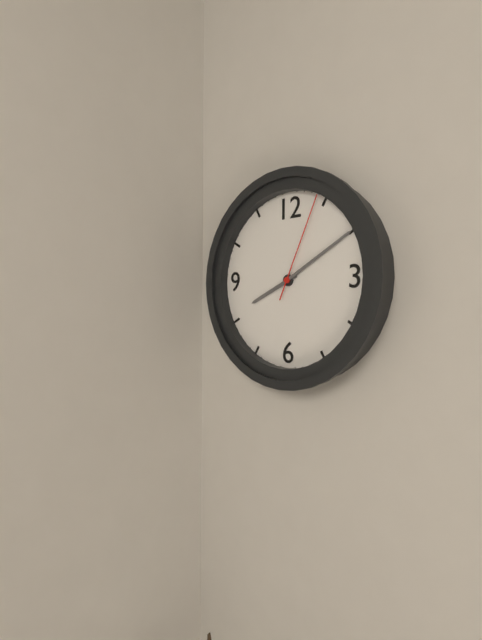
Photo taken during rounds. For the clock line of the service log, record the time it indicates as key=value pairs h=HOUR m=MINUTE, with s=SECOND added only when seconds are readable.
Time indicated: h=8 m=10 s=4
